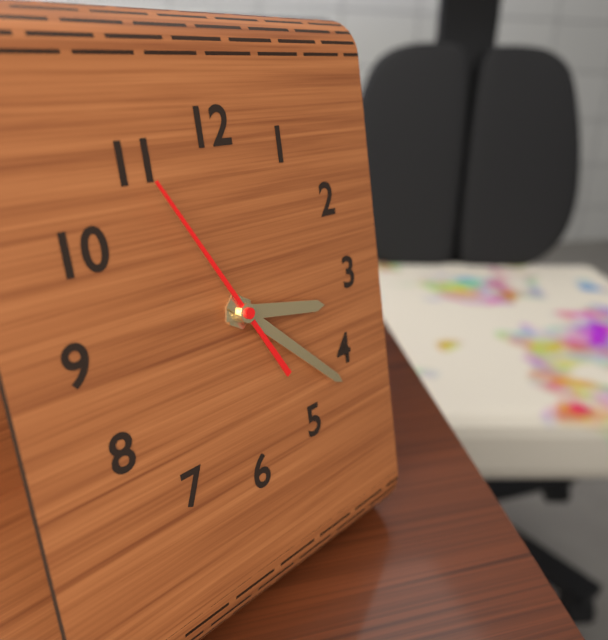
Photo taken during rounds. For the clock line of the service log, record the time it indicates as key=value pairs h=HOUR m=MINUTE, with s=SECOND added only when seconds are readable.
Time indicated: h=3 m=22 s=55
